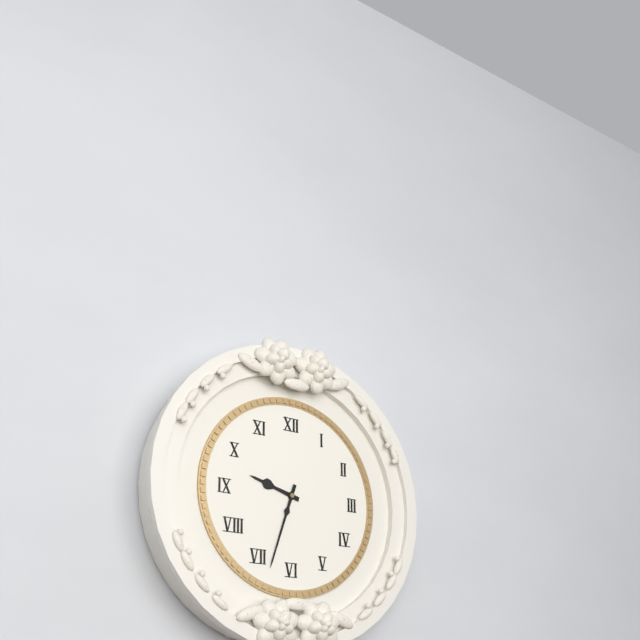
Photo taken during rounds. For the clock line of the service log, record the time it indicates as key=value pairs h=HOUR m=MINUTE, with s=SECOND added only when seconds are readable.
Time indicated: h=9 m=33
